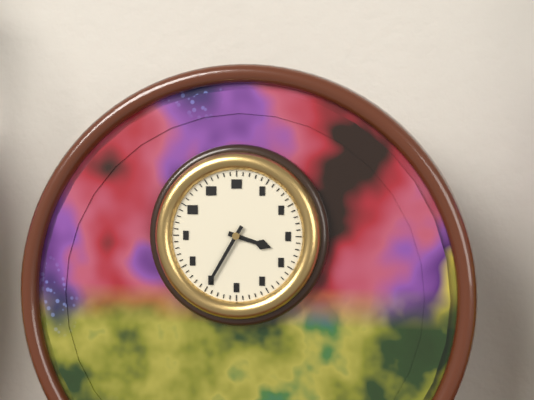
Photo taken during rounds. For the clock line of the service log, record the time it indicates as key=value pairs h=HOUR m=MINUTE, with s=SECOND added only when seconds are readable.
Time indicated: h=3 m=35
